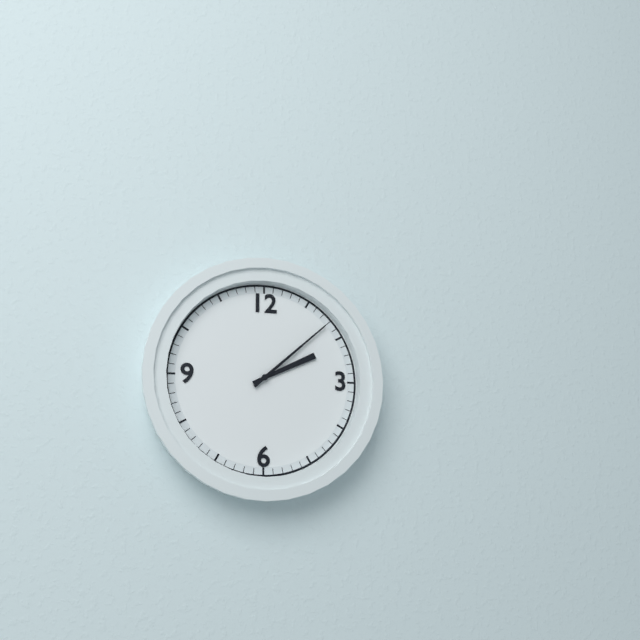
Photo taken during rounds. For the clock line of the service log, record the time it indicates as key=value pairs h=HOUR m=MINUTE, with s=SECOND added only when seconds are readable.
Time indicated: h=2 m=8
